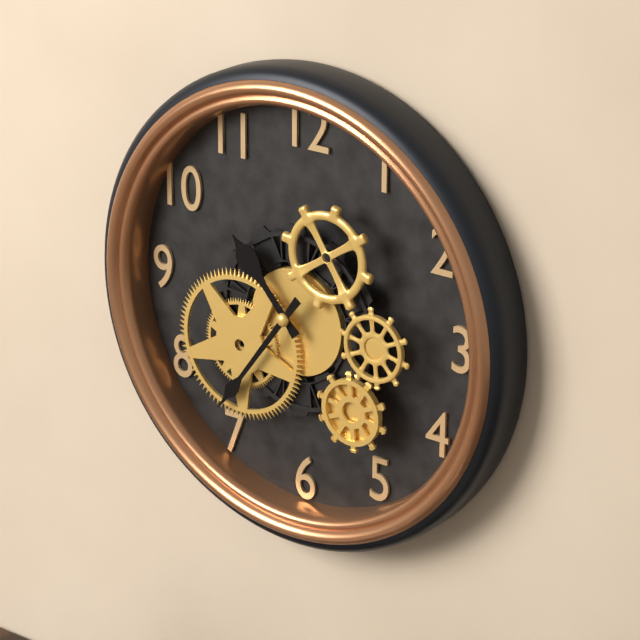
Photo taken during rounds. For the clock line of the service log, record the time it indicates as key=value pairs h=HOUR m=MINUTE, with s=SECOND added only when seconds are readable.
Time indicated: h=10 m=36
